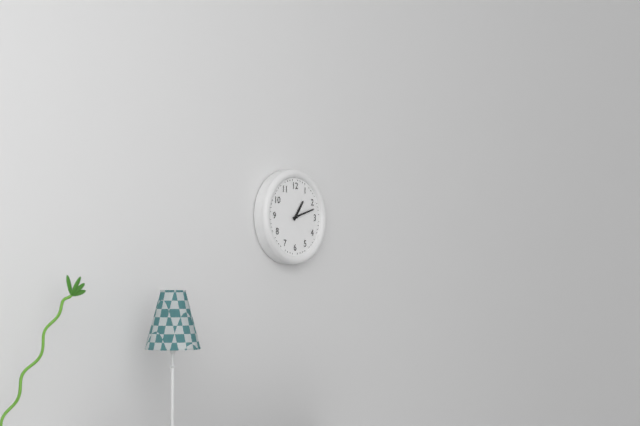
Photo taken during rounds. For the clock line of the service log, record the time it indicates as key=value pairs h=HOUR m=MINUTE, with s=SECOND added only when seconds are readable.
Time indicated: h=1 m=12
